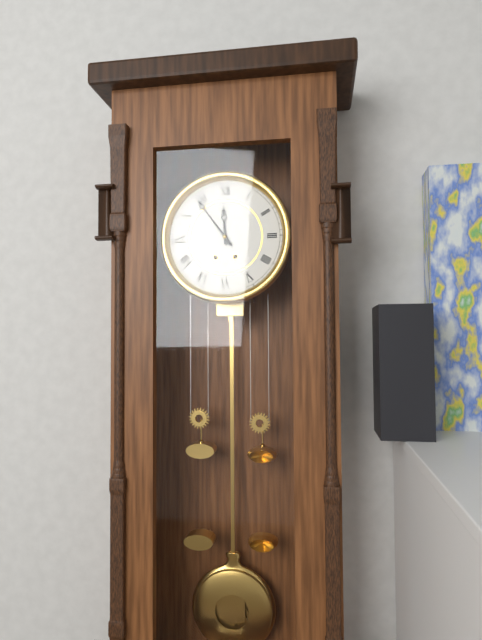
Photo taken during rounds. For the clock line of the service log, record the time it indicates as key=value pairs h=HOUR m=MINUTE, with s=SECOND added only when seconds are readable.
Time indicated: h=11 m=54
